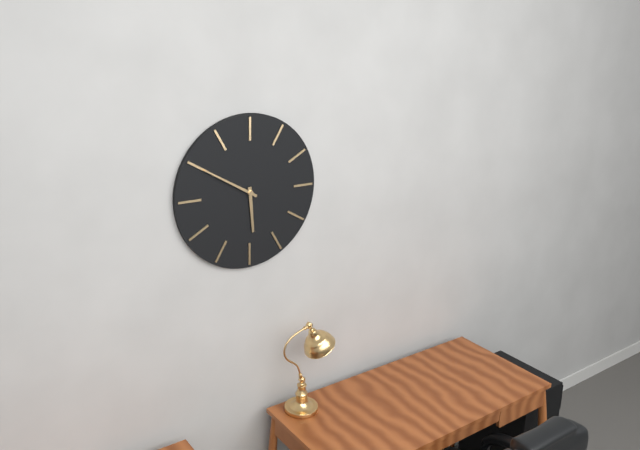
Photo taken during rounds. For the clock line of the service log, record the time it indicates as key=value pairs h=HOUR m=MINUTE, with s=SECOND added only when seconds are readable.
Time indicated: h=5 m=50
